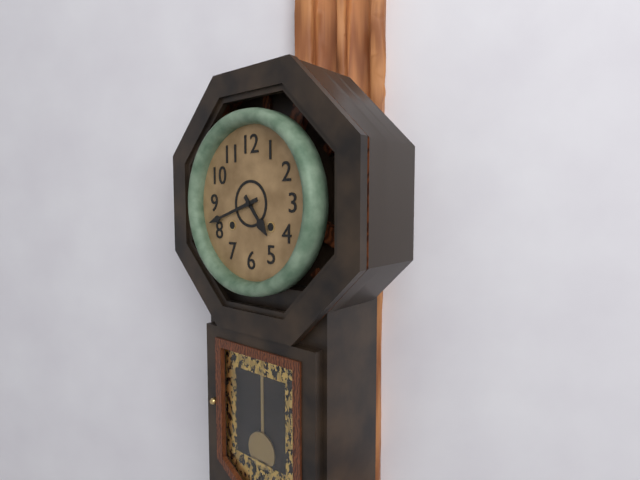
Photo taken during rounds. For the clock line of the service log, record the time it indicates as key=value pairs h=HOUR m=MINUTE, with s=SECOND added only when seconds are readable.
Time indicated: h=4 m=42
